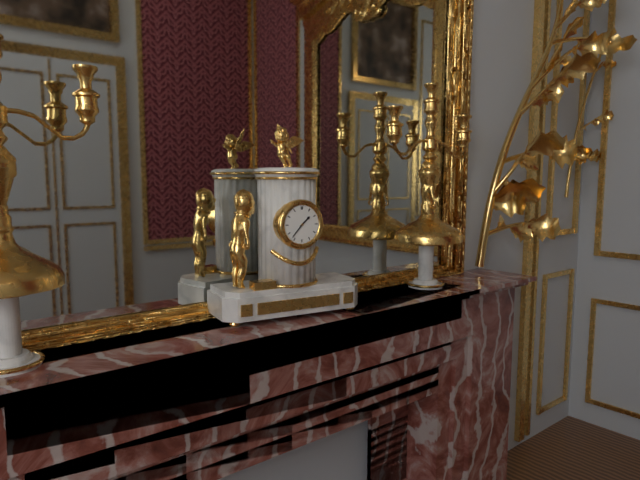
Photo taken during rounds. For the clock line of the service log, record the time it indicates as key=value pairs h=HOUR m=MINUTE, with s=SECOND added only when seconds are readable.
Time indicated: h=1 m=37
